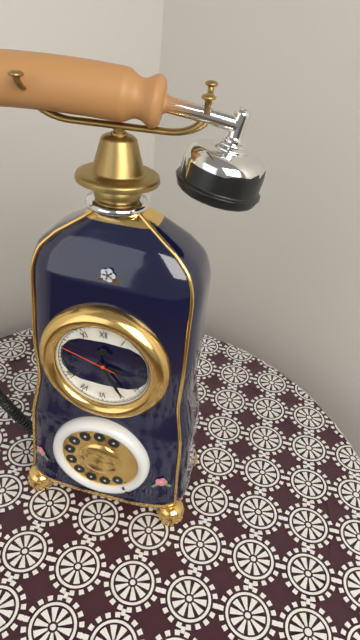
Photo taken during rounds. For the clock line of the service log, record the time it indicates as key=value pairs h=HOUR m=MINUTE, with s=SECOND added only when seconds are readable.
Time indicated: h=3 m=25 s=48
